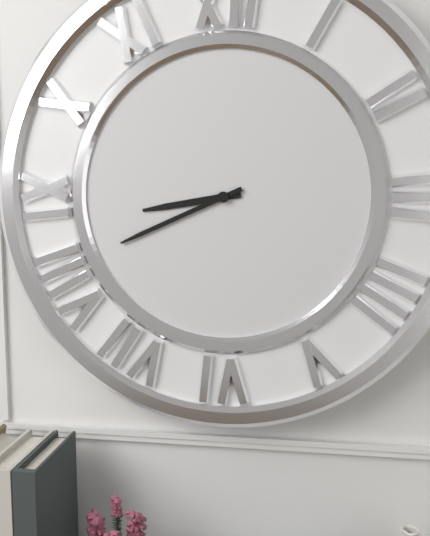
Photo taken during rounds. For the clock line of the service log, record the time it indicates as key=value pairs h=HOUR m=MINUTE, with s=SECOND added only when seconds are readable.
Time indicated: h=8 m=41
